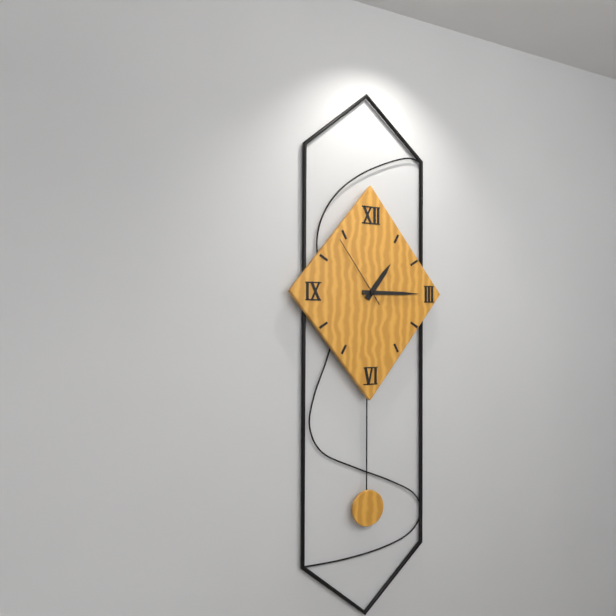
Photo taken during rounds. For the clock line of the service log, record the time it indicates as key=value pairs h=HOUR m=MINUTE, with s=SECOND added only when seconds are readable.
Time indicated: h=1 m=15 s=54
